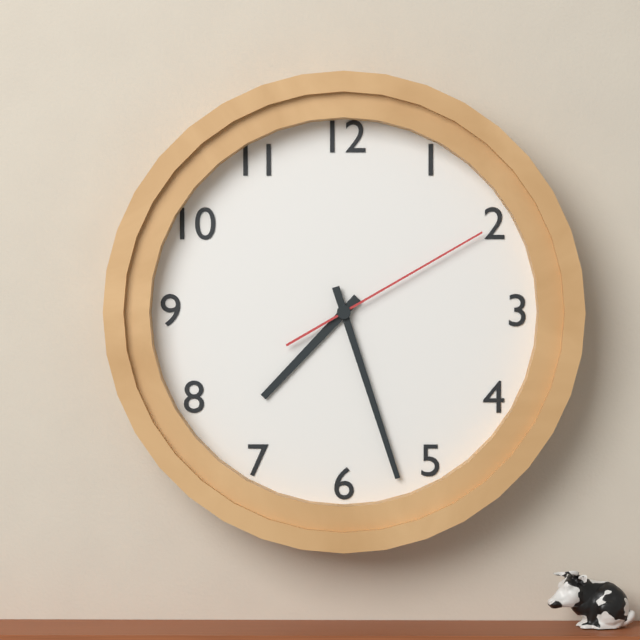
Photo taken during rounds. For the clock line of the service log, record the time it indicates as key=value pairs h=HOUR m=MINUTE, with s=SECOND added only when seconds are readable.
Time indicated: h=7 m=27 s=10
